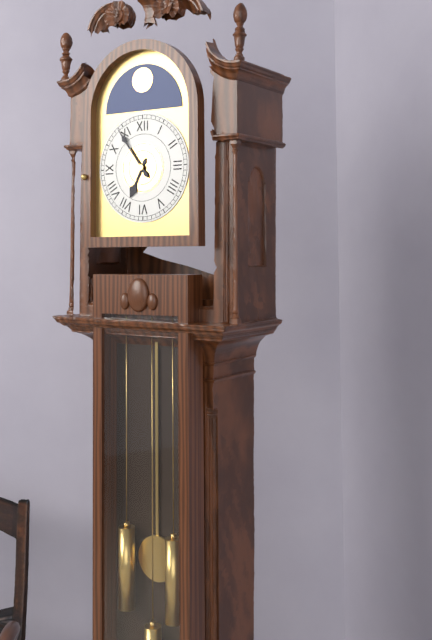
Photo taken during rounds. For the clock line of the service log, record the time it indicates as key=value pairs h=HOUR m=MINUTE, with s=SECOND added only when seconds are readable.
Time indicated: h=6 m=54
